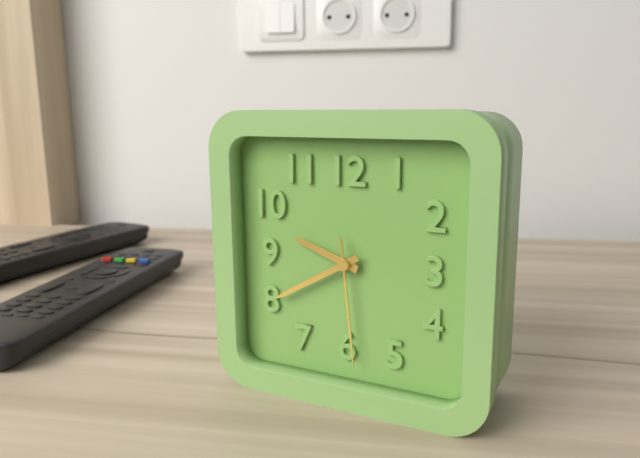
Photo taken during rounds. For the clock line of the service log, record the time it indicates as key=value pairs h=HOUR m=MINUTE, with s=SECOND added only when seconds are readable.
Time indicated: h=9 m=40 s=29
